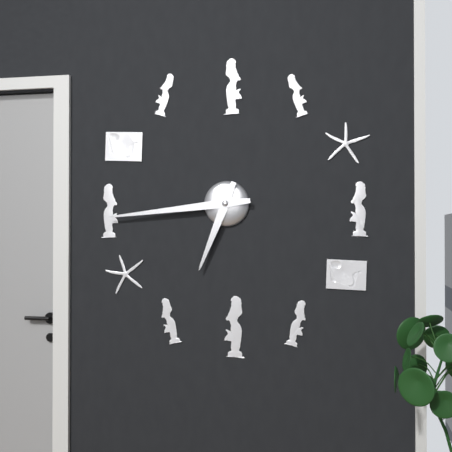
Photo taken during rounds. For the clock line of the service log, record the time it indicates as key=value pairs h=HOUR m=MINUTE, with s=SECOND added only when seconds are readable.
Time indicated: h=6 m=44
